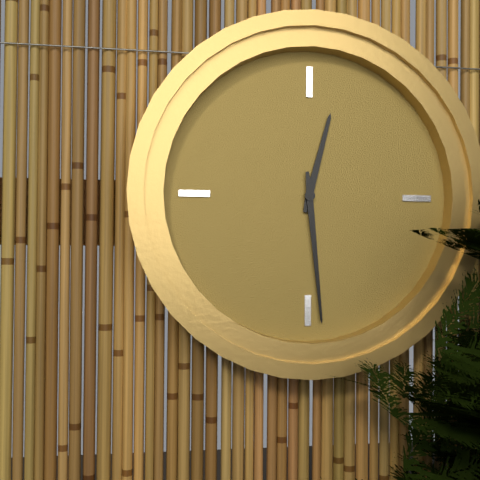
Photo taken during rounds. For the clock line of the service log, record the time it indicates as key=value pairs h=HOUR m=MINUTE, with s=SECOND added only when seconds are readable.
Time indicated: h=12 m=29
